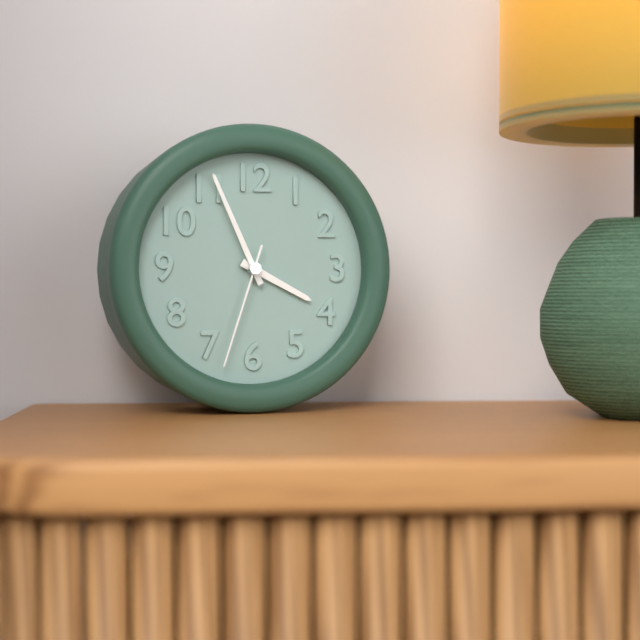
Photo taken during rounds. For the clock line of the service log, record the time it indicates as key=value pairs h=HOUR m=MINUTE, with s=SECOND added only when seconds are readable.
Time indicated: h=3 m=56 s=33
